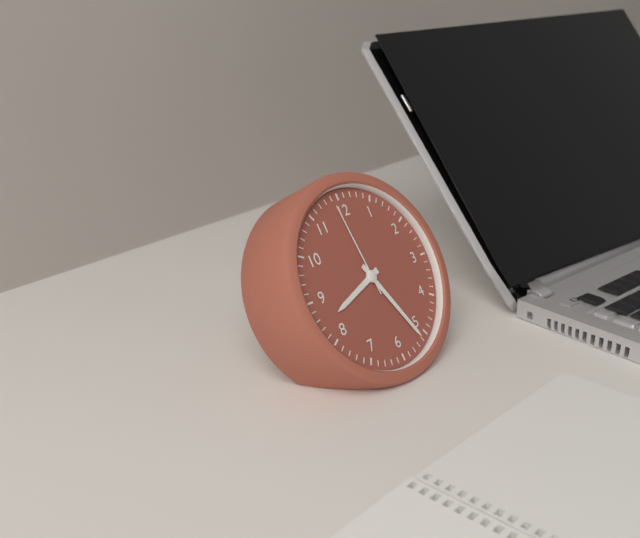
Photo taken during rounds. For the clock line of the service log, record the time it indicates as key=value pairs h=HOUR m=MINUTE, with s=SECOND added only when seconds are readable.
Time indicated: h=8 m=26 s=59
